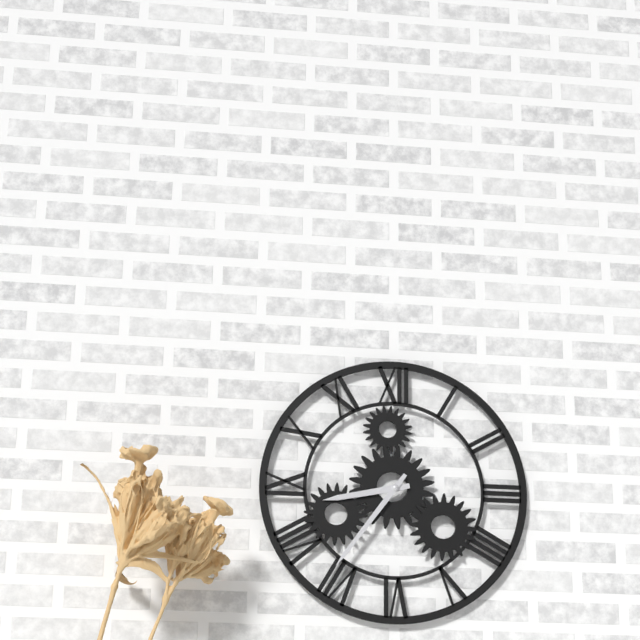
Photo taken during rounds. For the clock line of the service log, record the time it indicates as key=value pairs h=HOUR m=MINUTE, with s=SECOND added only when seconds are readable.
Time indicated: h=8 m=36
